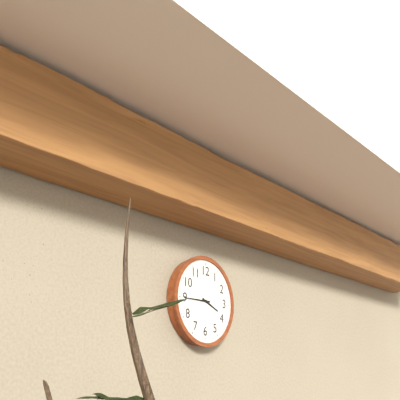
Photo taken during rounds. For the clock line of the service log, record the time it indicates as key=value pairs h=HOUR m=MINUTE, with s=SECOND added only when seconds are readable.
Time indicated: h=3 m=45
